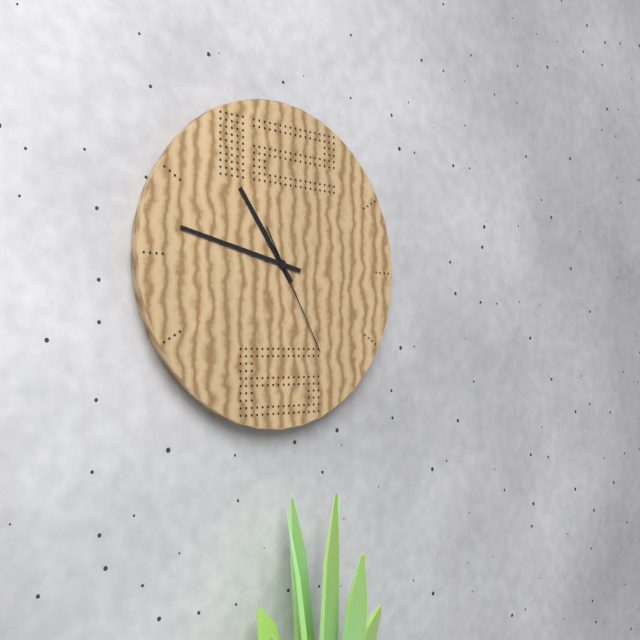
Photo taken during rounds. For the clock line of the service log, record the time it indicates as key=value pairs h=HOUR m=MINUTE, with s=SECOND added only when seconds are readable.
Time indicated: h=10 m=47 s=25
